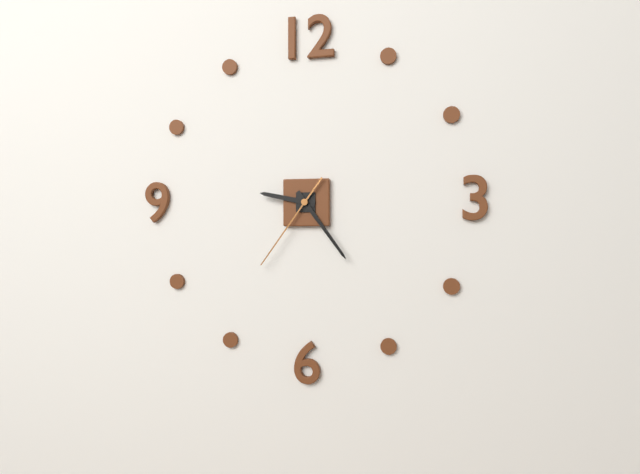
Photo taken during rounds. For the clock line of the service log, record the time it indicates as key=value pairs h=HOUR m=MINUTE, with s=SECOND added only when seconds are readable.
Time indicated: h=9 m=24 s=36
